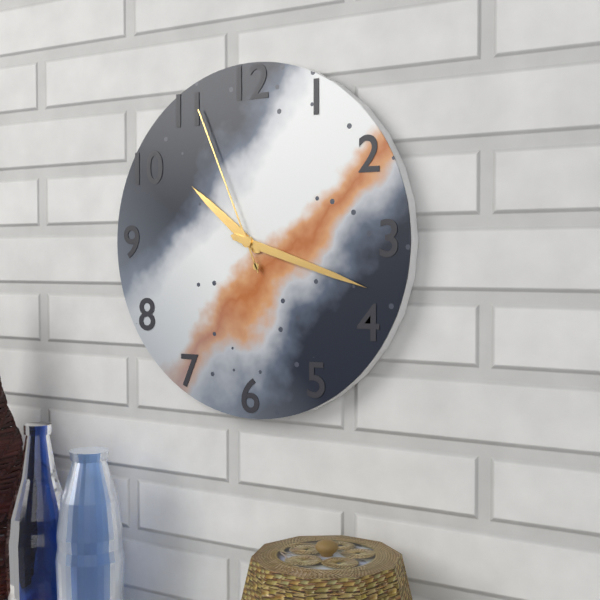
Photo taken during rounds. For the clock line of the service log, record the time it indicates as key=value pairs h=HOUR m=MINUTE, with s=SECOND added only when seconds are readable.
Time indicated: h=10 m=18 s=56
